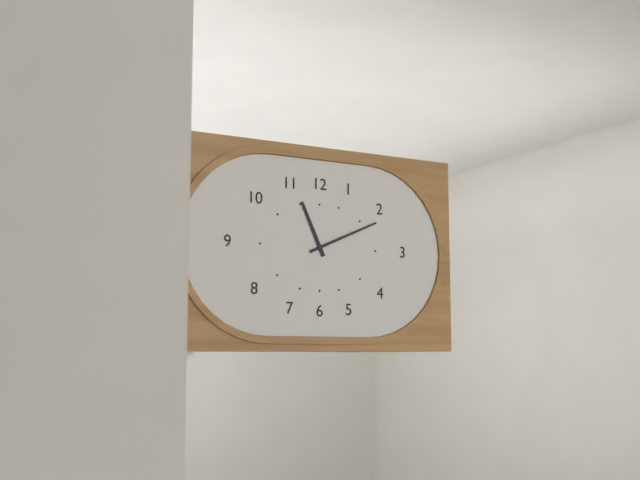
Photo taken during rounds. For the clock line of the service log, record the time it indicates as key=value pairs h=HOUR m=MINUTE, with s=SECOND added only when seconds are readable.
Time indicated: h=11 m=11
